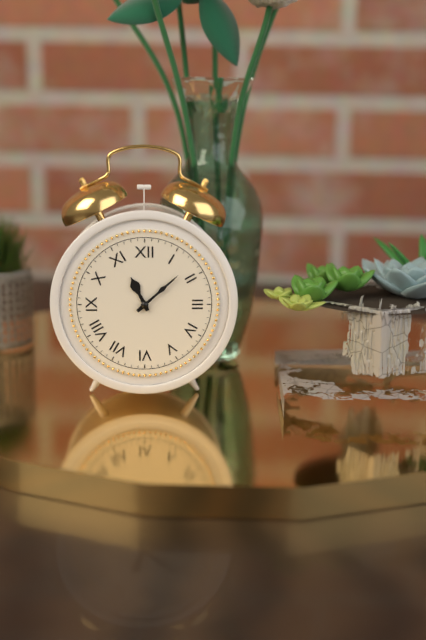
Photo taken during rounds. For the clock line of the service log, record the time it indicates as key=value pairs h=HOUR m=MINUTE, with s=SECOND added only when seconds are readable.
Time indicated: h=11 m=8
